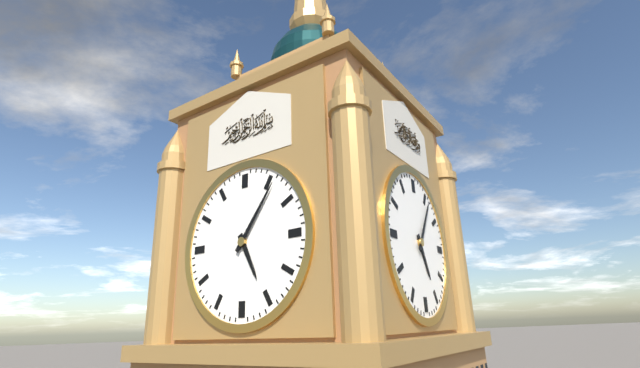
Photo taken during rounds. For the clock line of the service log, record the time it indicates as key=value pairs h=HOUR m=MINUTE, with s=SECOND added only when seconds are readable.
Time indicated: h=5 m=6
